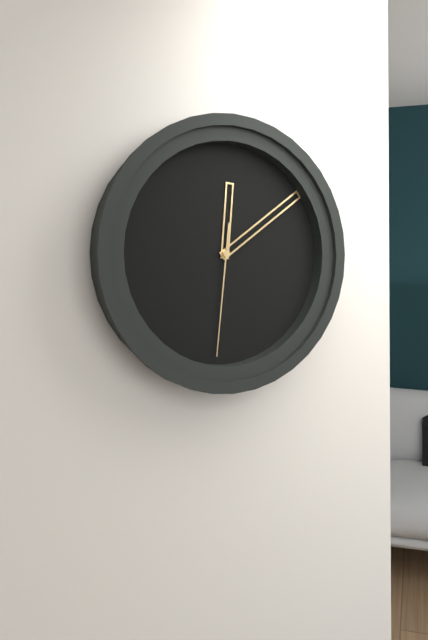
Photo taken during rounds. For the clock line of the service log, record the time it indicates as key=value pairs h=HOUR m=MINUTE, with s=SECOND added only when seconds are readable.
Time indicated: h=12 m=9 s=31
